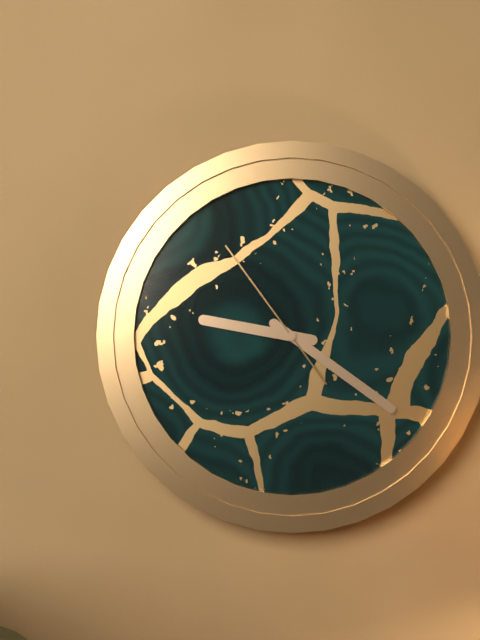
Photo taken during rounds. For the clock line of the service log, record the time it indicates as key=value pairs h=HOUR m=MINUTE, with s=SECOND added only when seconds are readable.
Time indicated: h=9 m=21 s=54
